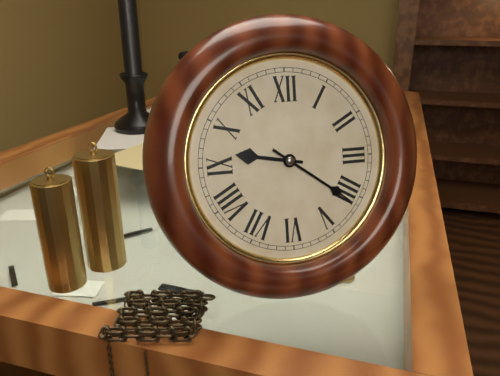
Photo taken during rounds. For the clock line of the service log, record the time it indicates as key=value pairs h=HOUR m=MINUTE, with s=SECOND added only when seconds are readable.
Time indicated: h=9 m=21
